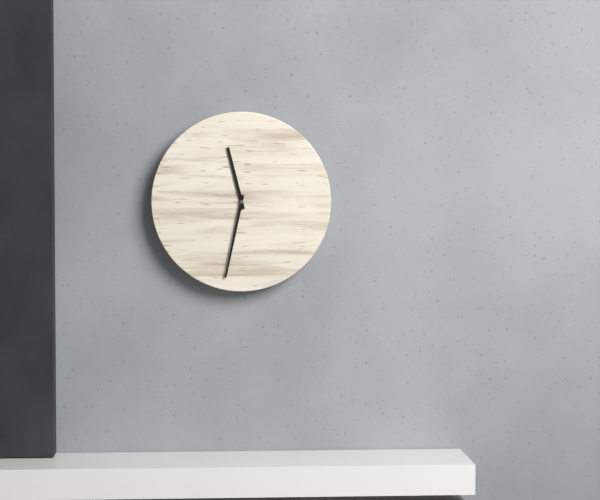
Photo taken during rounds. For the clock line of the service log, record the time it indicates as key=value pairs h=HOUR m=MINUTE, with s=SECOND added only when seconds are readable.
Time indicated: h=11 m=32
